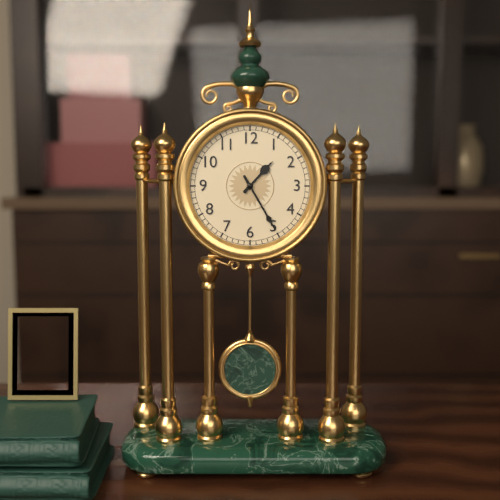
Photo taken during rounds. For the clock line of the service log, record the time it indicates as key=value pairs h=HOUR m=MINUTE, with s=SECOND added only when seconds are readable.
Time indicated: h=1 m=25
